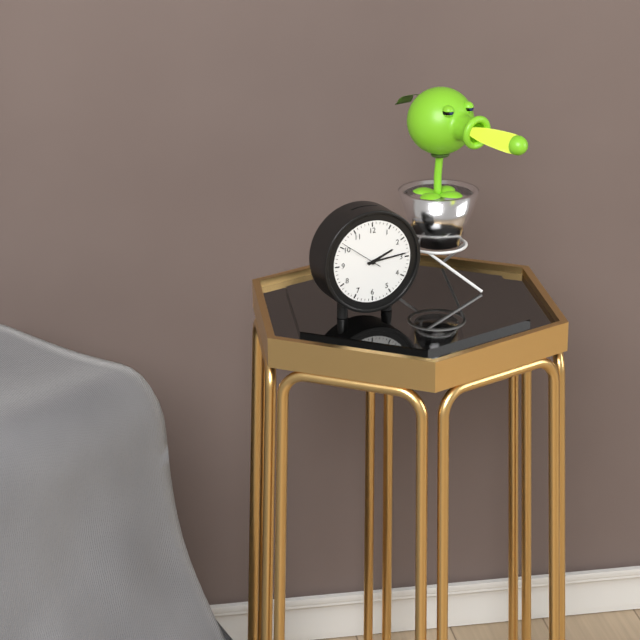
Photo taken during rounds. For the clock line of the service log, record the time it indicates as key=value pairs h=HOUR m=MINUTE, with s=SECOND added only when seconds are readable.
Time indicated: h=2 m=14
